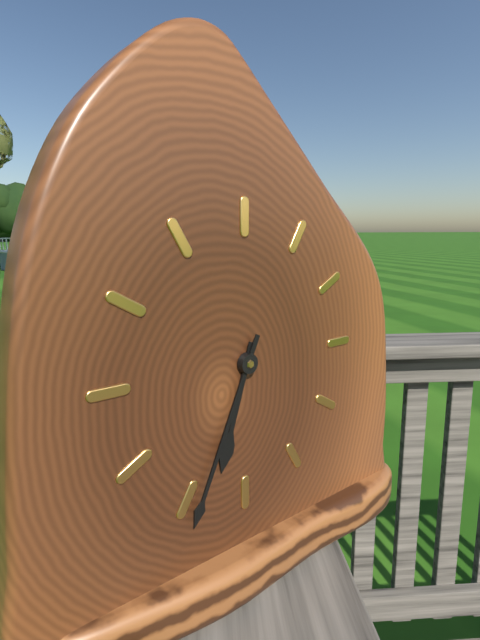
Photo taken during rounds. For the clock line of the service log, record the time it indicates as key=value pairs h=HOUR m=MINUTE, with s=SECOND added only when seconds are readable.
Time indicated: h=6 m=34
